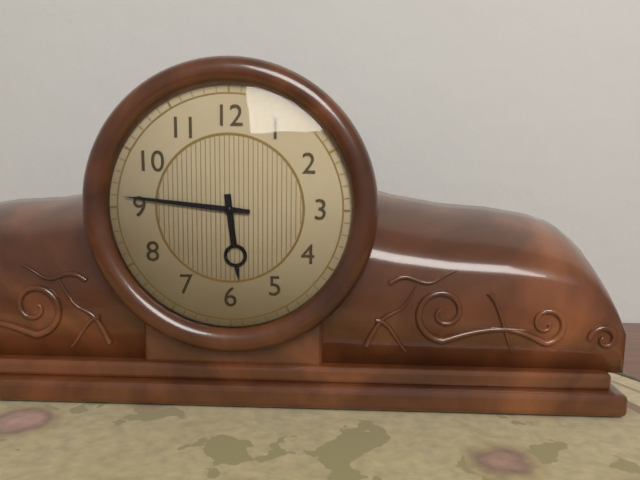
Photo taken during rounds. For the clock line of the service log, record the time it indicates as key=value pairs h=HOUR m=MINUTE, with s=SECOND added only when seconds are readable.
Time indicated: h=5 m=46
